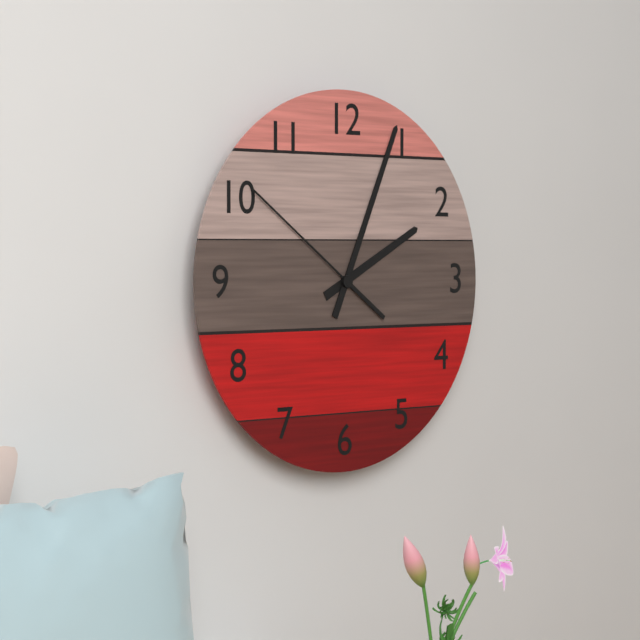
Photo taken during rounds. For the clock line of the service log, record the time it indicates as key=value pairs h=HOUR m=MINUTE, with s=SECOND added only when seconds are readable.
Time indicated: h=2 m=4 s=51
